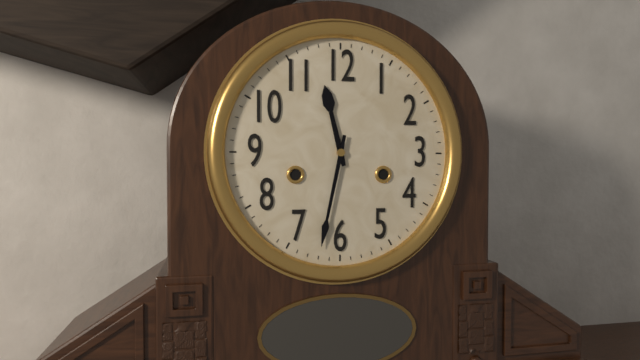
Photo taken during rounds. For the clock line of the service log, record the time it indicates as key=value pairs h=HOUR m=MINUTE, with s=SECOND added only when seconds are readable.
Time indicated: h=11 m=32
